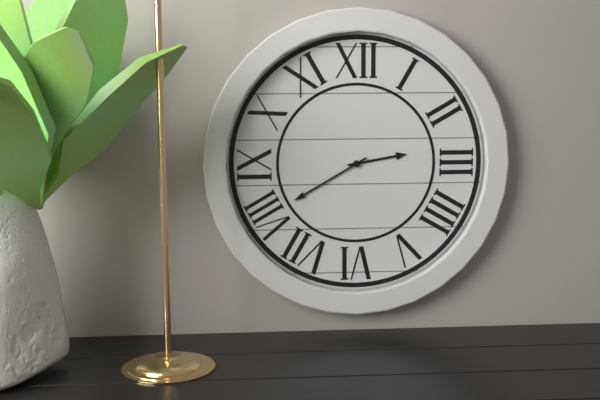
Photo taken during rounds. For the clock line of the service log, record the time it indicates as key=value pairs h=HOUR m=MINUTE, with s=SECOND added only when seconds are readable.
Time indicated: h=2 m=40
